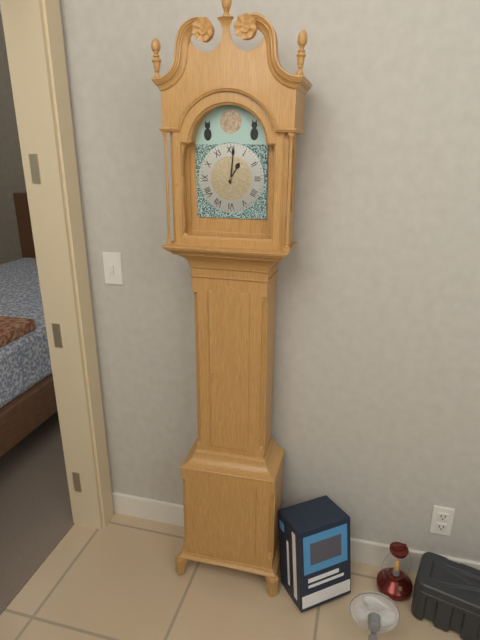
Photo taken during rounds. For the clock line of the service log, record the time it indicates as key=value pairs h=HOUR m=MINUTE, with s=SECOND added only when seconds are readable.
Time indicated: h=1 m=1
